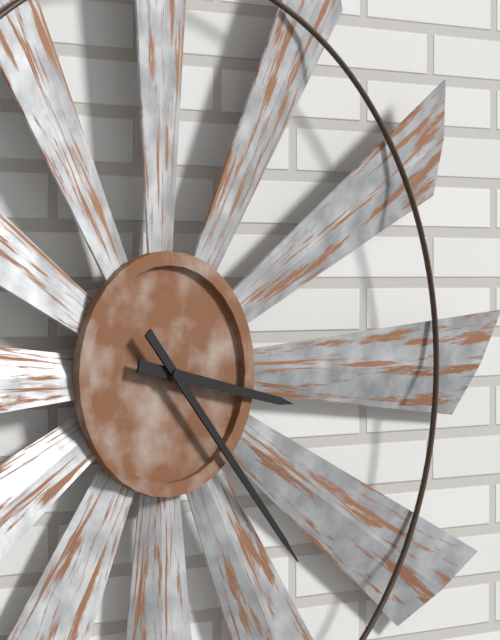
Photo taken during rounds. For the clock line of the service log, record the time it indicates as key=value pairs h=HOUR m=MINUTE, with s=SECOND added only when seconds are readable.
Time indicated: h=3 m=23
